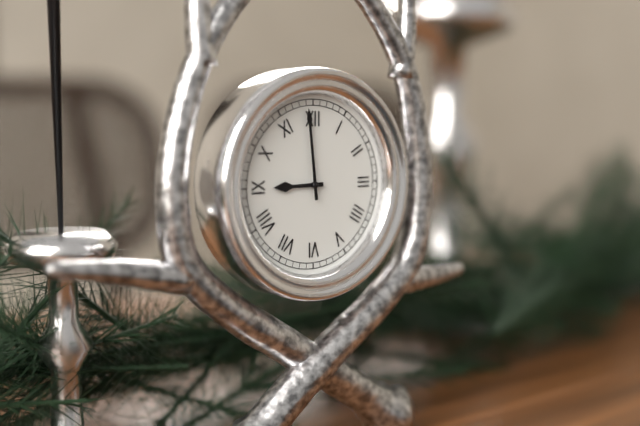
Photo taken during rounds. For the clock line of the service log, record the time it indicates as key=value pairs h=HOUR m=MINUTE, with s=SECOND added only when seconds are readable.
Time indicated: h=8 m=59
